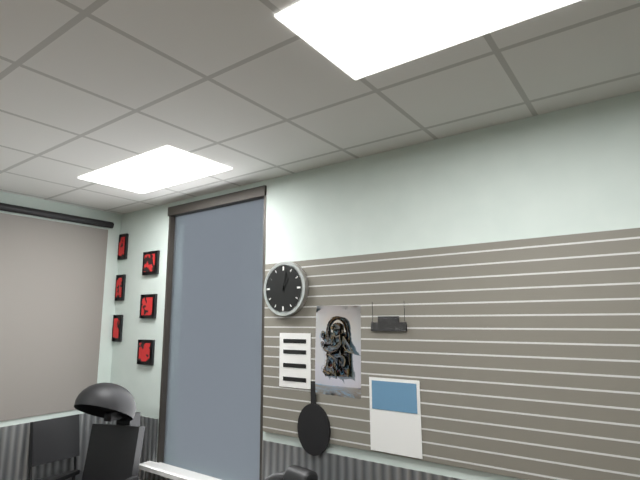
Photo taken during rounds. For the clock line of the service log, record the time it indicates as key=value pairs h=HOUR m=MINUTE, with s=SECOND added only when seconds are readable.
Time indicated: h=1 m=2
